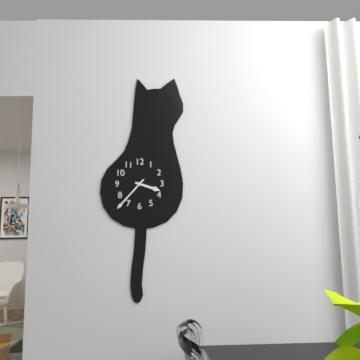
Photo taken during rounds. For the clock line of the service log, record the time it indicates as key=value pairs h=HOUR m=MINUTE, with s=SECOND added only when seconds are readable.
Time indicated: h=3 m=37
